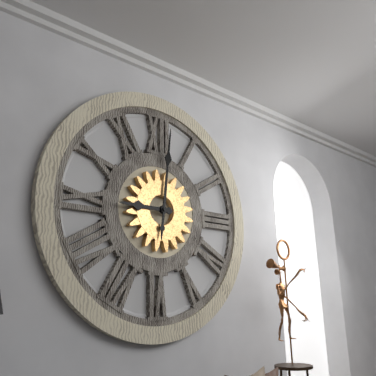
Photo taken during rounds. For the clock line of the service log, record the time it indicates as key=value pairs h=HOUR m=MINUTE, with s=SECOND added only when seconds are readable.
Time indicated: h=9 m=1
